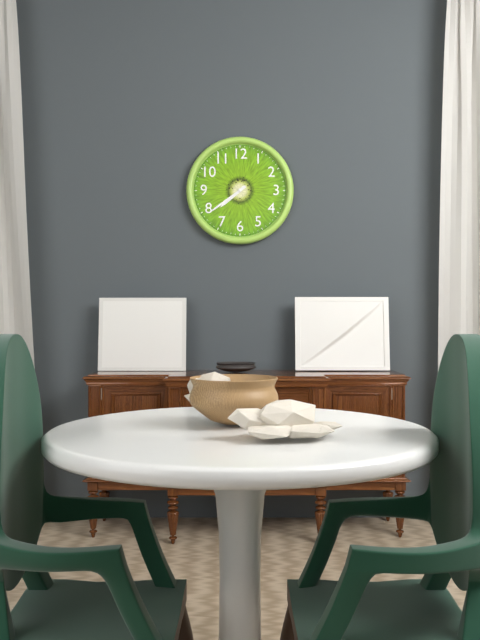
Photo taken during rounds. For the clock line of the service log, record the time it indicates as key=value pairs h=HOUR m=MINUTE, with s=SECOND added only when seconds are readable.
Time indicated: h=7 m=39
